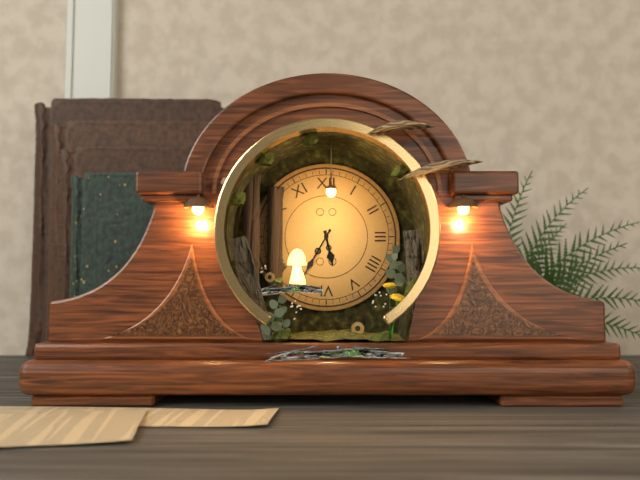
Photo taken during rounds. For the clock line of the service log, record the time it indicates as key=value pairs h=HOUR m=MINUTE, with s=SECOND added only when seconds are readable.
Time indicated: h=5 m=35
